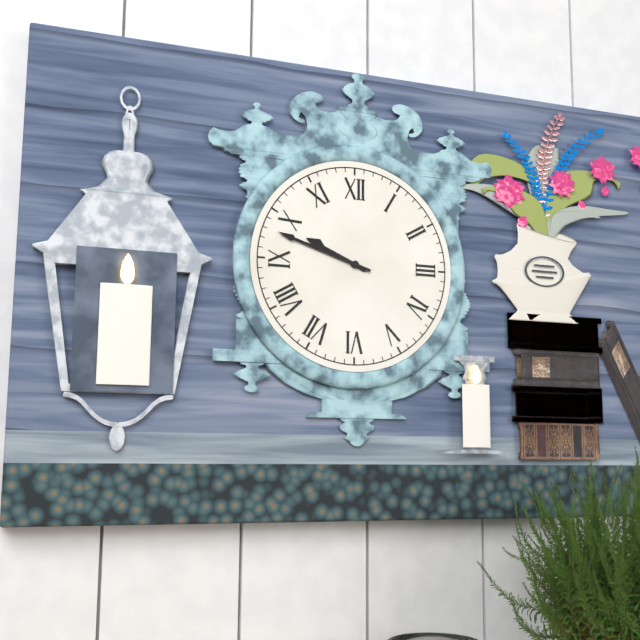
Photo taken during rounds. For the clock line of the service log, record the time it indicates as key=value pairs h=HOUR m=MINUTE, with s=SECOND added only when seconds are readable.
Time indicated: h=9 m=48
